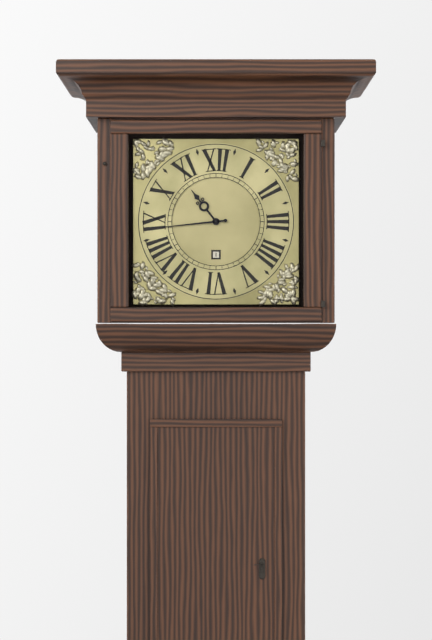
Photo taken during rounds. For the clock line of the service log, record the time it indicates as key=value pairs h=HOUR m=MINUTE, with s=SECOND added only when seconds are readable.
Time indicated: h=10 m=44
